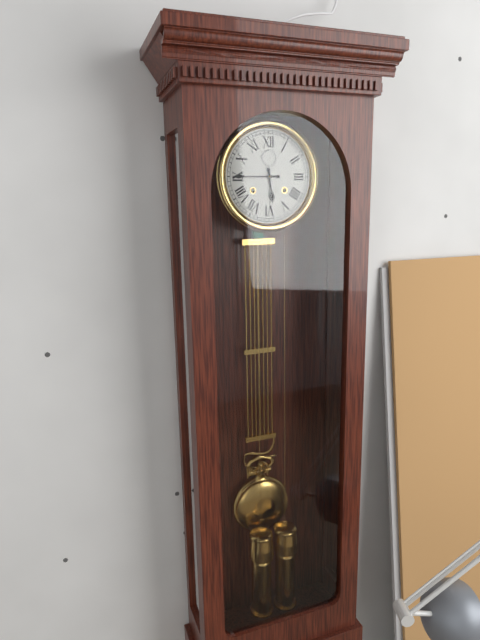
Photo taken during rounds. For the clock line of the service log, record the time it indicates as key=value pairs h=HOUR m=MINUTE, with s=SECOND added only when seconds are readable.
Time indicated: h=5 m=45
